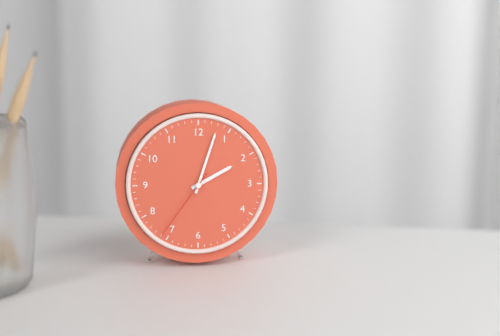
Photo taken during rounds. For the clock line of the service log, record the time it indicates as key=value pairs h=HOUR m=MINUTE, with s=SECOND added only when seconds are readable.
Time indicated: h=2 m=3 s=36
